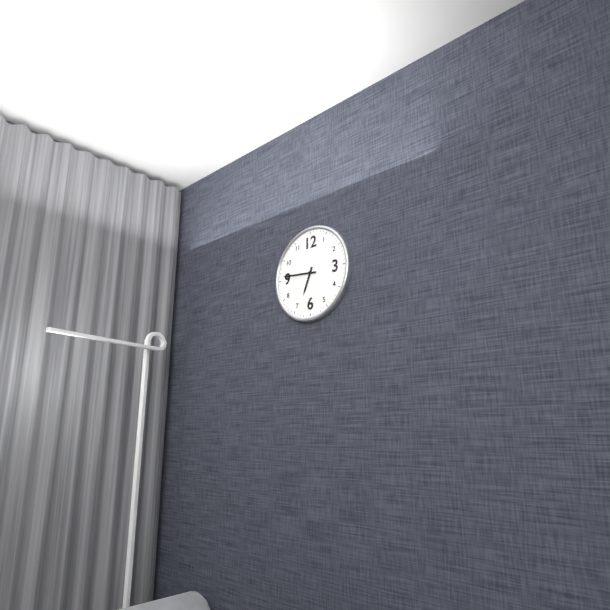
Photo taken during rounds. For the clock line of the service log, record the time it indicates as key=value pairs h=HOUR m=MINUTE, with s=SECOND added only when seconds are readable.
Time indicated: h=6 m=46
